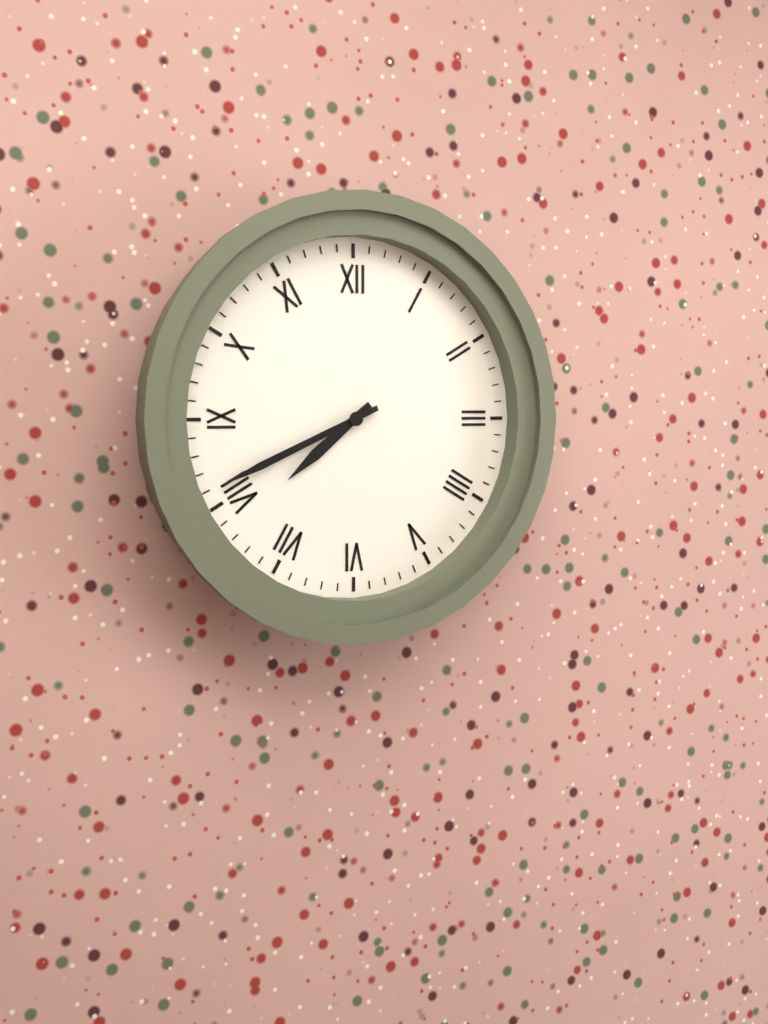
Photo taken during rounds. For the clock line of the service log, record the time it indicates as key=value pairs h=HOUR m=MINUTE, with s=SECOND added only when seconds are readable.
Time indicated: h=7 m=41
